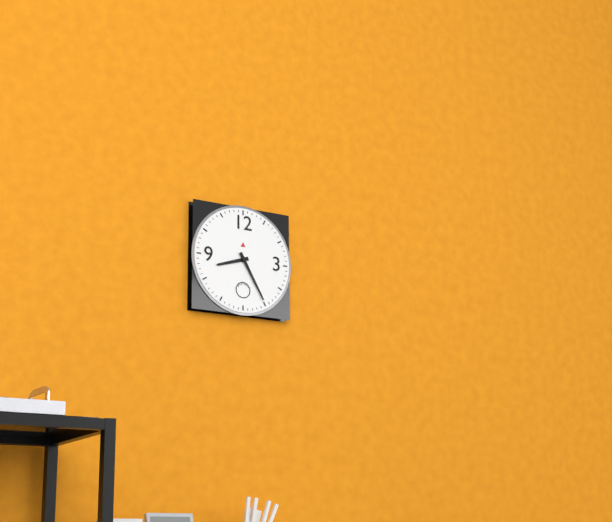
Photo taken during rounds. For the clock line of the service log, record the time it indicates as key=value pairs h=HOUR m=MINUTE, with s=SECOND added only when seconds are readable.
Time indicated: h=8 m=25
